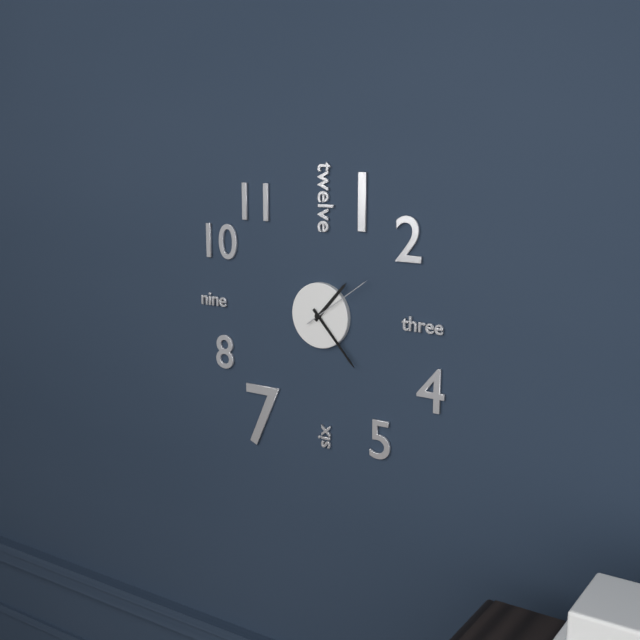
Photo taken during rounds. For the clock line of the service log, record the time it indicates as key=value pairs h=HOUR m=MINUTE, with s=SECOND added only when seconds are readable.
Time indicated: h=1 m=23 s=9
